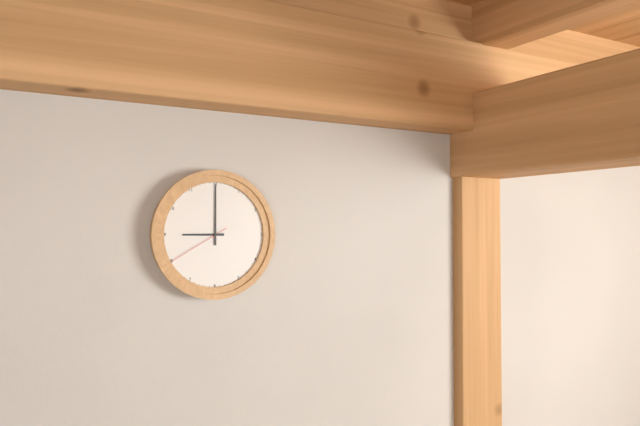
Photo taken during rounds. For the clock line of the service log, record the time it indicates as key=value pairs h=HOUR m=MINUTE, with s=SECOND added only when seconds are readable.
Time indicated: h=9 m=0 s=40
